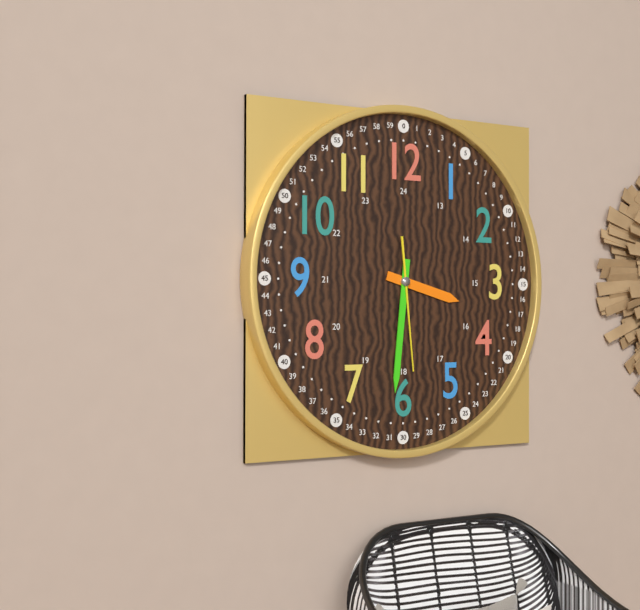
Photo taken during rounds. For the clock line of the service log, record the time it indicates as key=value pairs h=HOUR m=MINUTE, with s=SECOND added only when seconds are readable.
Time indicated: h=3 m=31 s=29
